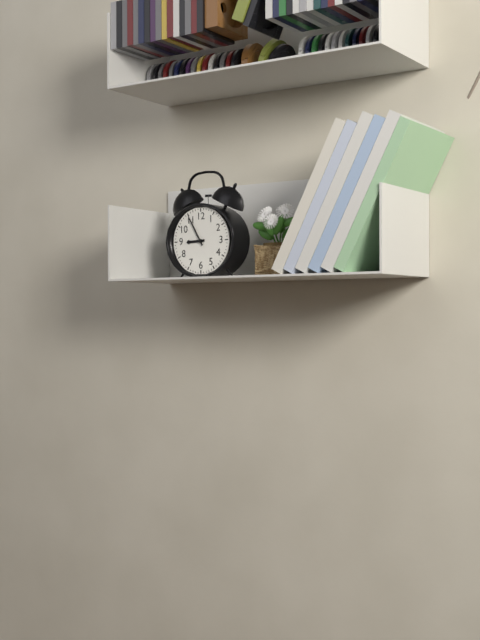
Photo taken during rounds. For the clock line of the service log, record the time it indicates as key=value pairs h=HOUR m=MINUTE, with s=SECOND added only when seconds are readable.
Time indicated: h=8 m=55
